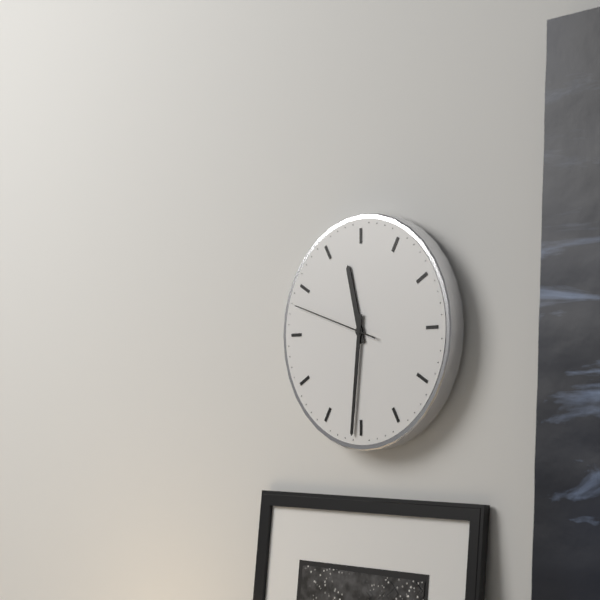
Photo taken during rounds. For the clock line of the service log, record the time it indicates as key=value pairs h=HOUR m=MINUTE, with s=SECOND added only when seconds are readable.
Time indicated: h=11 m=31 s=48
